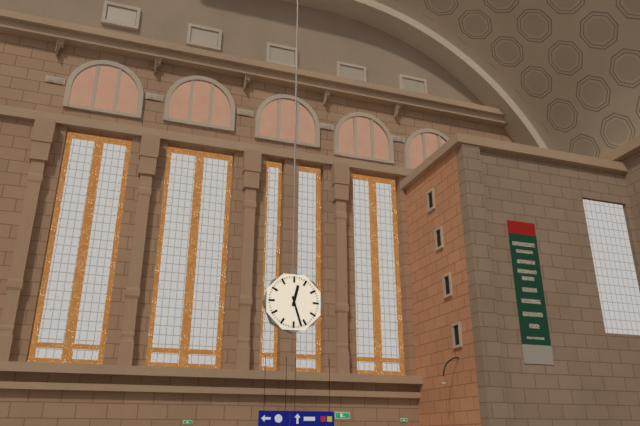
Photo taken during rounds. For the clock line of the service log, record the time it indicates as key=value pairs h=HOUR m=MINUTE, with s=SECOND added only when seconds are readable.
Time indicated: h=12 m=27
